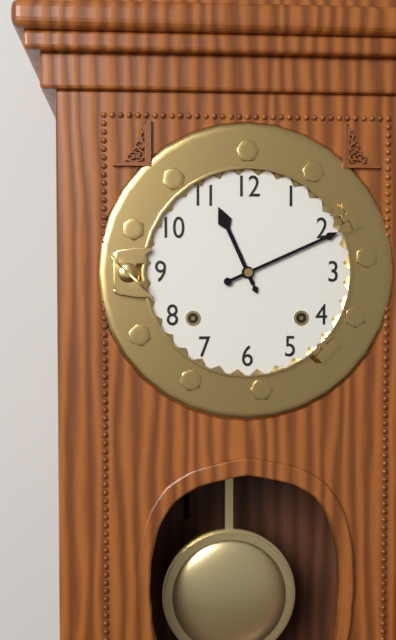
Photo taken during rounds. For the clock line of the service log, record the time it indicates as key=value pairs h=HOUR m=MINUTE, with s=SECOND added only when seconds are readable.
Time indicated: h=11 m=11
